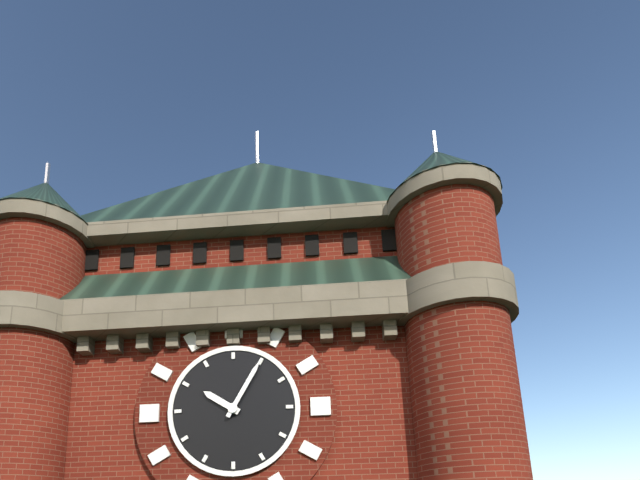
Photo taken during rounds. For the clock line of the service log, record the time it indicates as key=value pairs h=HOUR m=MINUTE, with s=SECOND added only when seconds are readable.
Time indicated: h=10 m=5
